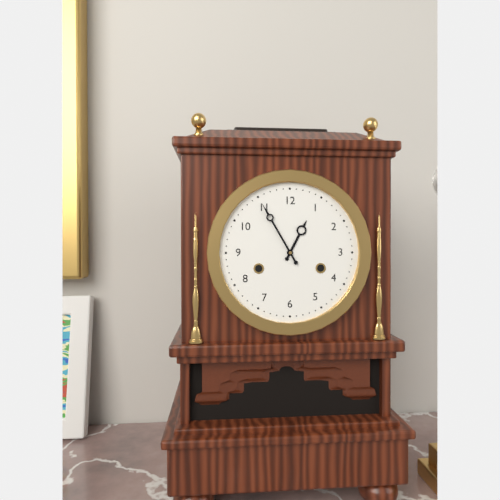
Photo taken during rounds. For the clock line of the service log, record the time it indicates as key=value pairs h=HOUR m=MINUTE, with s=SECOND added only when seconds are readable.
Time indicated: h=12 m=55
